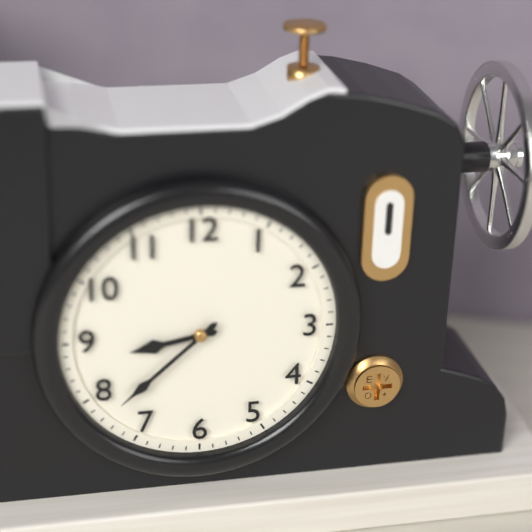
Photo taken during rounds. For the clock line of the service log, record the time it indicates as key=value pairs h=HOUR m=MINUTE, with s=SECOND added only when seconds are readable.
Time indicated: h=8 m=38
